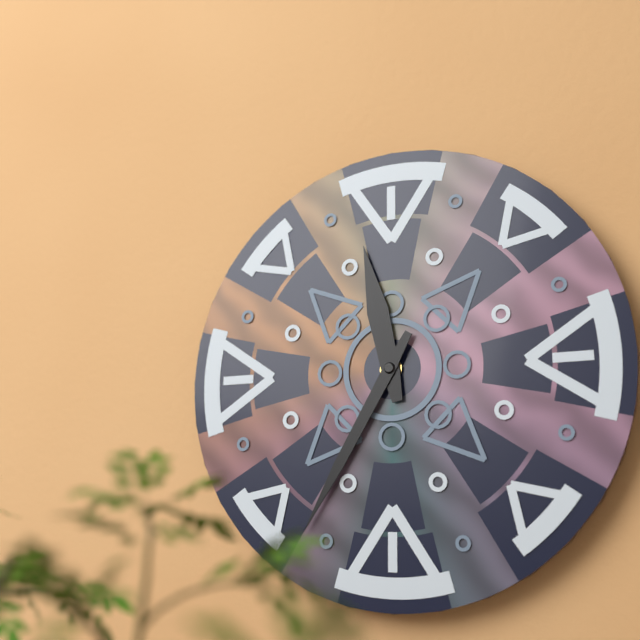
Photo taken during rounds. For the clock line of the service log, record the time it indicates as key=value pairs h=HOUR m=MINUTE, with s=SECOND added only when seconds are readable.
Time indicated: h=11 m=35
